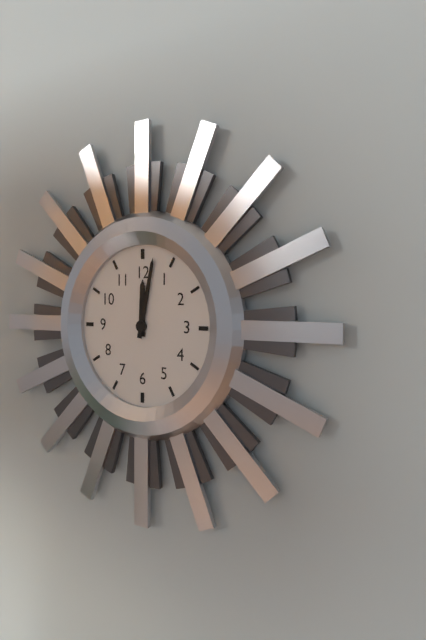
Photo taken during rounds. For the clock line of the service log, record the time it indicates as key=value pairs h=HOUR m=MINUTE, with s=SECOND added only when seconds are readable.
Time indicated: h=12 m=2
